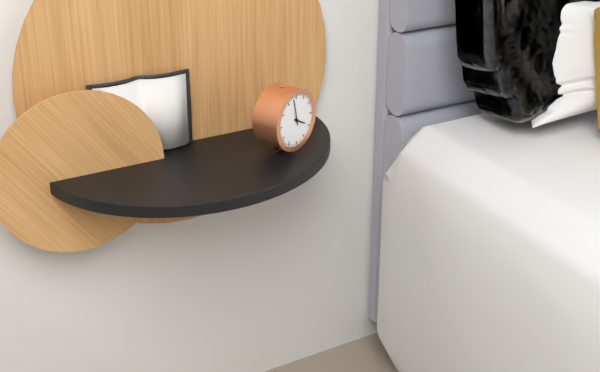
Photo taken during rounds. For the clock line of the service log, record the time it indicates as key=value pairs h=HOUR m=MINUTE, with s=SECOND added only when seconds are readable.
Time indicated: h=3 m=58
